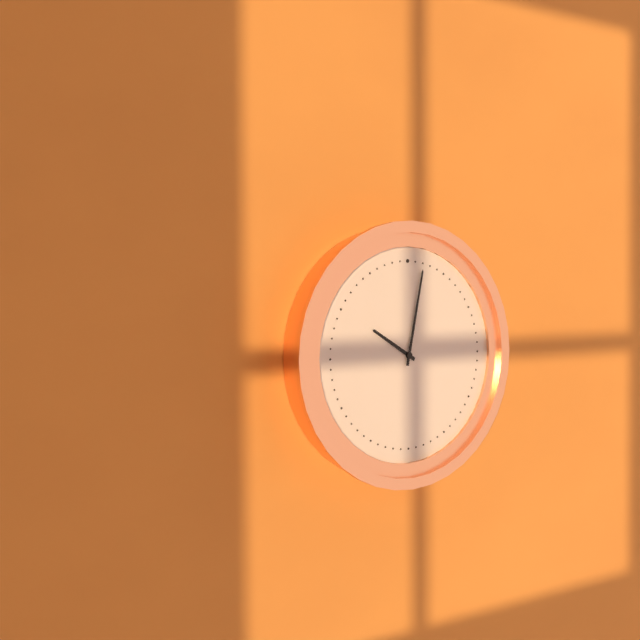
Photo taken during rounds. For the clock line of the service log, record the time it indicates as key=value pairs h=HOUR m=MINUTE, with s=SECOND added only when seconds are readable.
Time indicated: h=10 m=2
